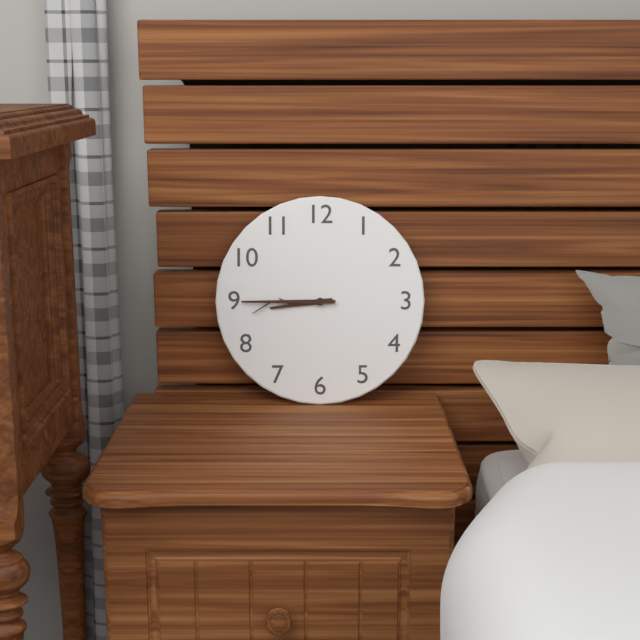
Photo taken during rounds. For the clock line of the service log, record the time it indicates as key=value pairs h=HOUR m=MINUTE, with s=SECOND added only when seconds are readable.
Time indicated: h=8 m=45
